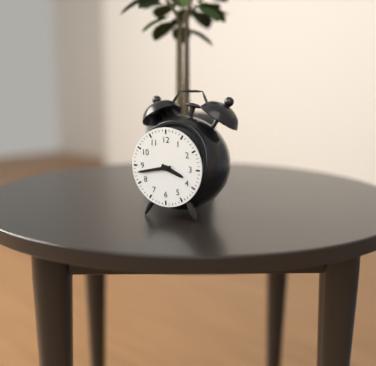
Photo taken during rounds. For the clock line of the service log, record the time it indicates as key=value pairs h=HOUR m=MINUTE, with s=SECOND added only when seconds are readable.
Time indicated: h=3 m=43
